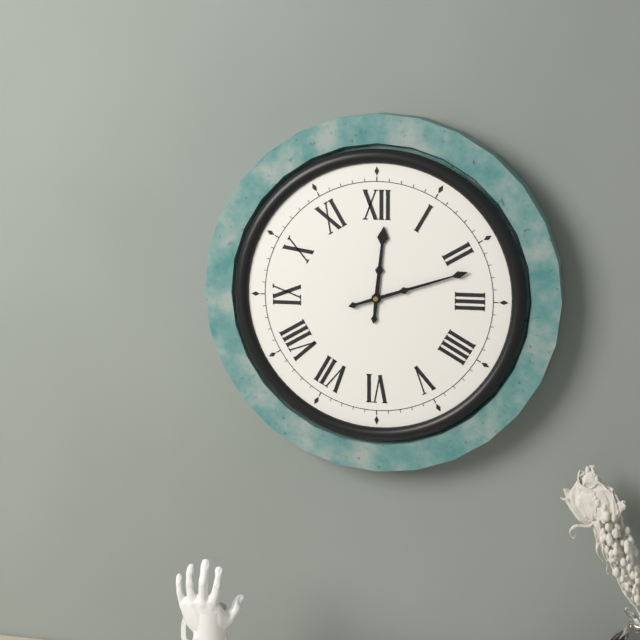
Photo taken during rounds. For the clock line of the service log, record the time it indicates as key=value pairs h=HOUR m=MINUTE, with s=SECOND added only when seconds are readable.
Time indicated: h=12 m=12
